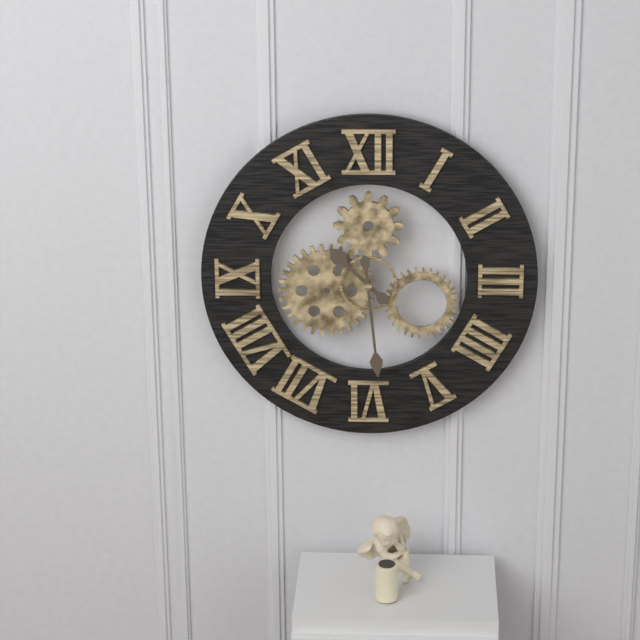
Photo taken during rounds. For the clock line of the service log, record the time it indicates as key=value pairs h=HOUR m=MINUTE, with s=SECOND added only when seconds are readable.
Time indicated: h=10 m=29
